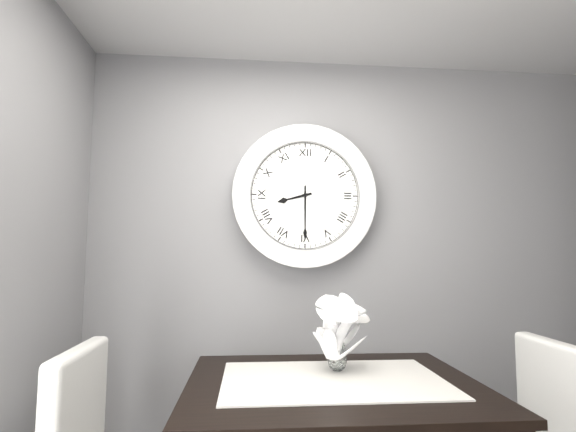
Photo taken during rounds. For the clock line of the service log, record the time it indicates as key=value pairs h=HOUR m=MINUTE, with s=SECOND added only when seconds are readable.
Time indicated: h=8 m=30
